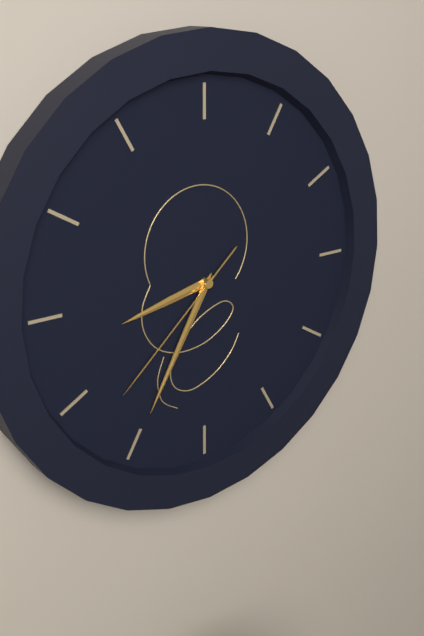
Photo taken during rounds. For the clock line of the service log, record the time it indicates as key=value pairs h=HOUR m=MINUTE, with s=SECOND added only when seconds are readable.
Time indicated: h=8 m=35 s=38
